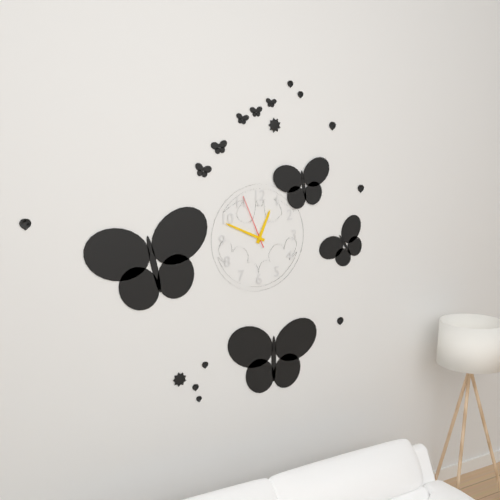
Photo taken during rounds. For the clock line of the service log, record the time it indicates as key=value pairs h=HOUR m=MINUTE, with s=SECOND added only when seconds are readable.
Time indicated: h=12 m=49 s=56
